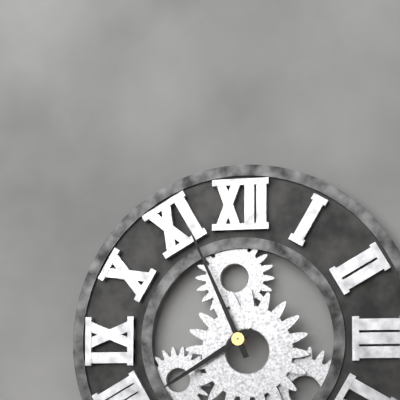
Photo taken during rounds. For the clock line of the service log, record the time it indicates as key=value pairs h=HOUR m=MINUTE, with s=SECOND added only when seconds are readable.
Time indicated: h=7 m=56
